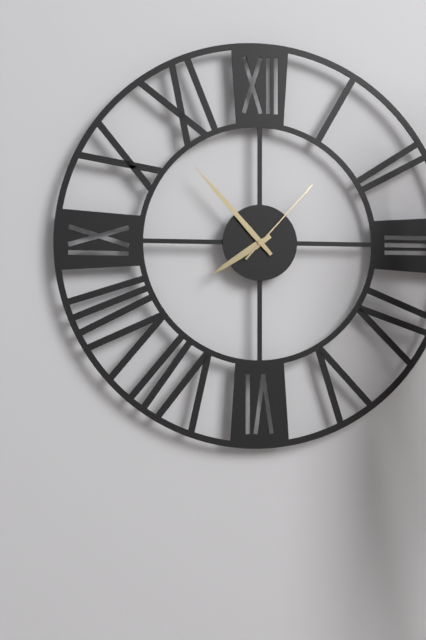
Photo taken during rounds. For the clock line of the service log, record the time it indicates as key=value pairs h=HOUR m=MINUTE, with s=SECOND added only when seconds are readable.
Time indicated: h=7 m=53 s=7
